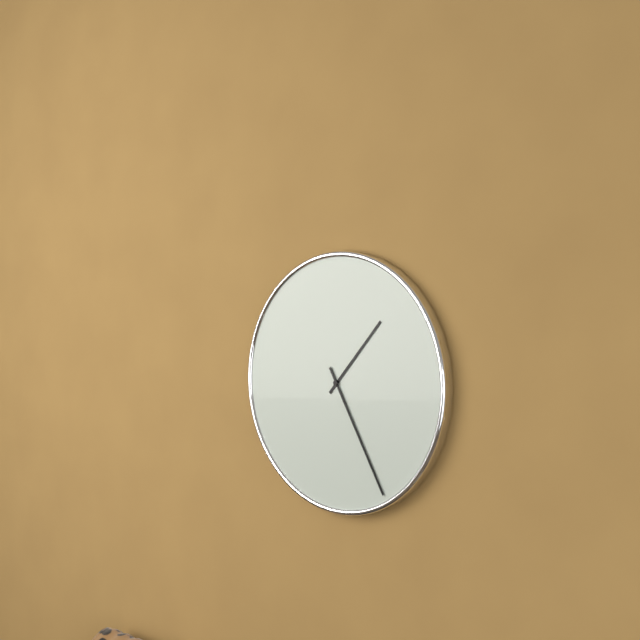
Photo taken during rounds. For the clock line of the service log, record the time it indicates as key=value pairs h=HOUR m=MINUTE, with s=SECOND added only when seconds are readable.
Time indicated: h=1 m=25
